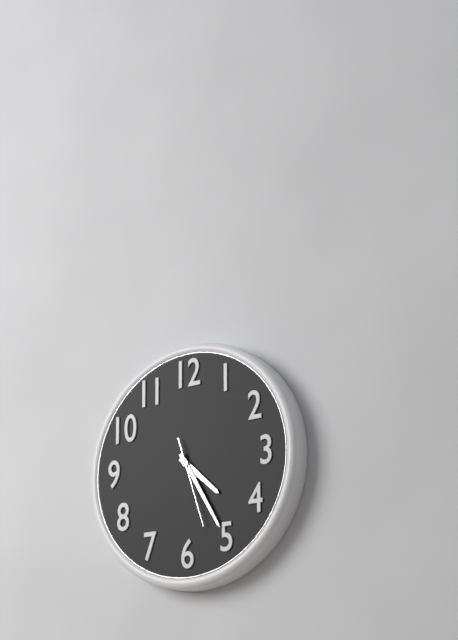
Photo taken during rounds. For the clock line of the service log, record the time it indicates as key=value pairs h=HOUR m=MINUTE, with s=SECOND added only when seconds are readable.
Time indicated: h=4 m=25 s=27
